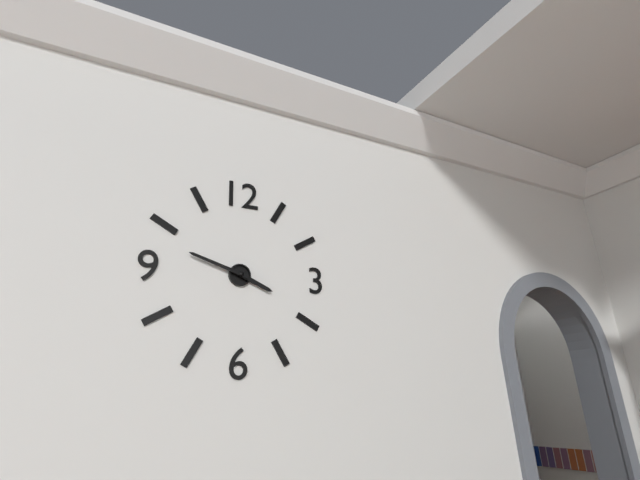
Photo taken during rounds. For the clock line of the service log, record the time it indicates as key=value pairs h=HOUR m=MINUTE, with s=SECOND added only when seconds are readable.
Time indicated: h=3 m=48
